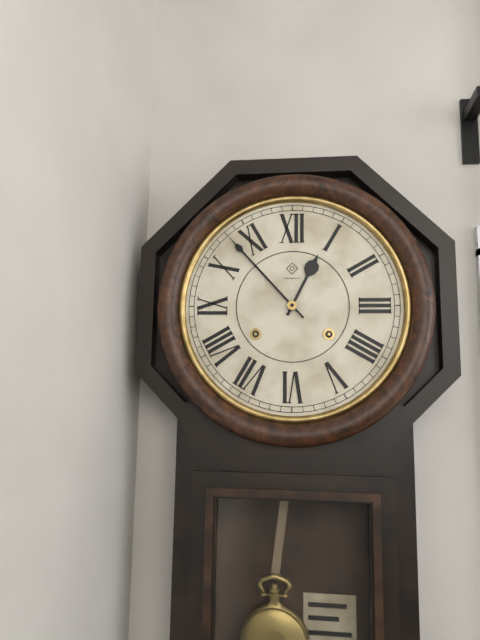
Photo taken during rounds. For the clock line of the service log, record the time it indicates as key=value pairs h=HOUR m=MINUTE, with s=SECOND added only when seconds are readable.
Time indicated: h=12 m=53
